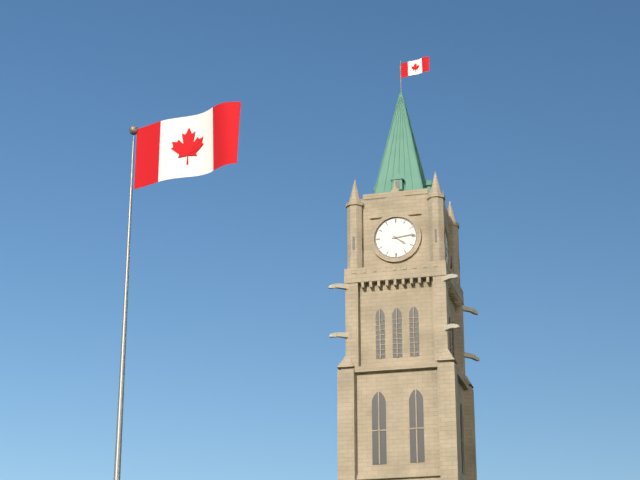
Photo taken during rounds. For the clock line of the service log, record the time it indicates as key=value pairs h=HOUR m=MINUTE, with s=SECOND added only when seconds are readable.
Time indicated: h=4 m=14
